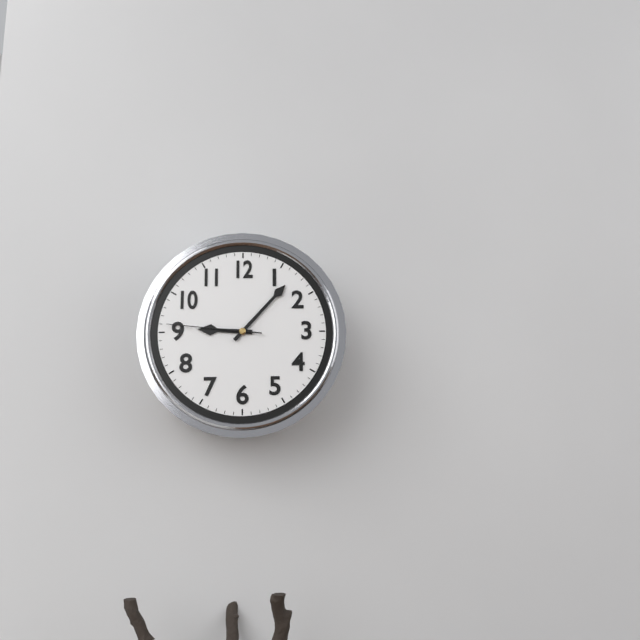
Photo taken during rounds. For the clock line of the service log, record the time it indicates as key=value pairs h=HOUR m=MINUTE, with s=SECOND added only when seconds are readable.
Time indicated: h=9 m=7 s=46
